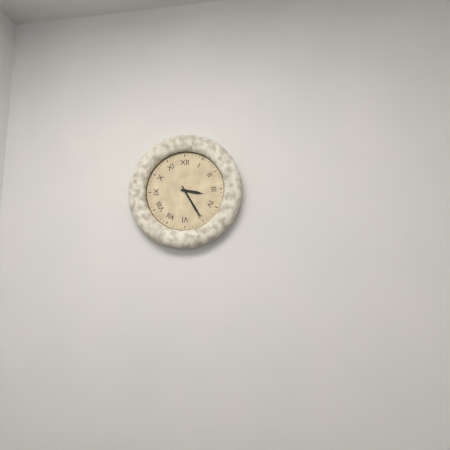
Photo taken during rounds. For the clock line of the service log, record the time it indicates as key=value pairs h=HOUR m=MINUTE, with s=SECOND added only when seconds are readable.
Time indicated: h=3 m=25
